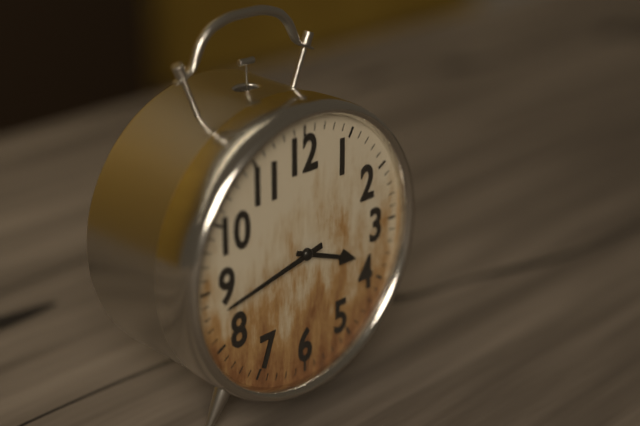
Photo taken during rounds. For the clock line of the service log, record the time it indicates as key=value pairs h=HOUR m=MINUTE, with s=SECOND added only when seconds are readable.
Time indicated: h=3 m=43
